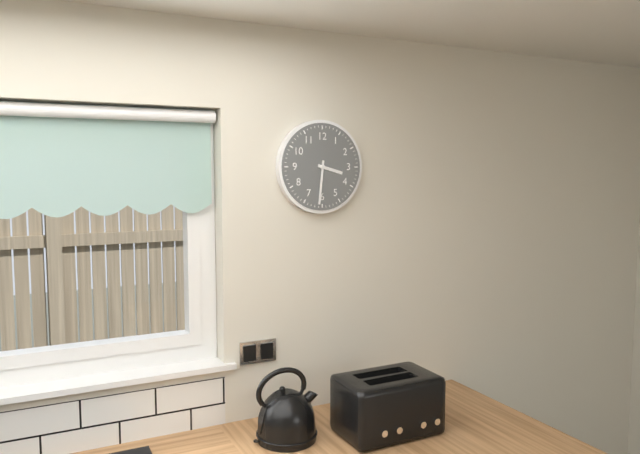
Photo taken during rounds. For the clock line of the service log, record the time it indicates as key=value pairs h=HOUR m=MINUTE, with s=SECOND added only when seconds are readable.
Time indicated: h=3 m=31
